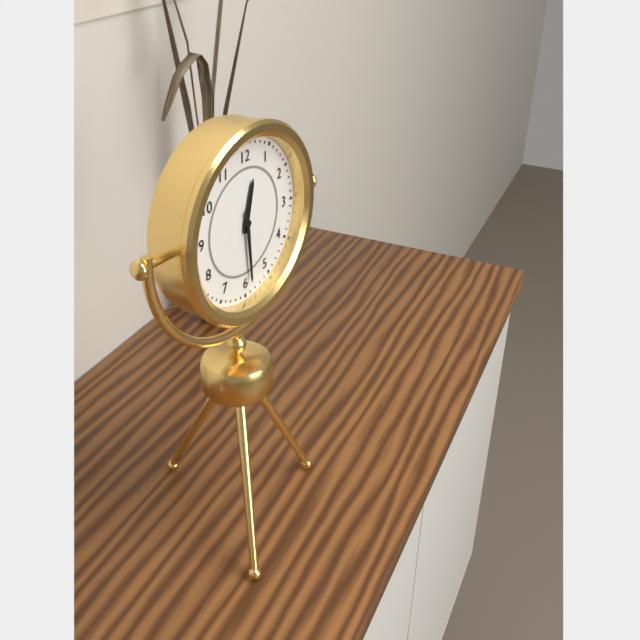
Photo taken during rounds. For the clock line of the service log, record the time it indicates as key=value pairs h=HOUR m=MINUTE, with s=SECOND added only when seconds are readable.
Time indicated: h=12 m=29
